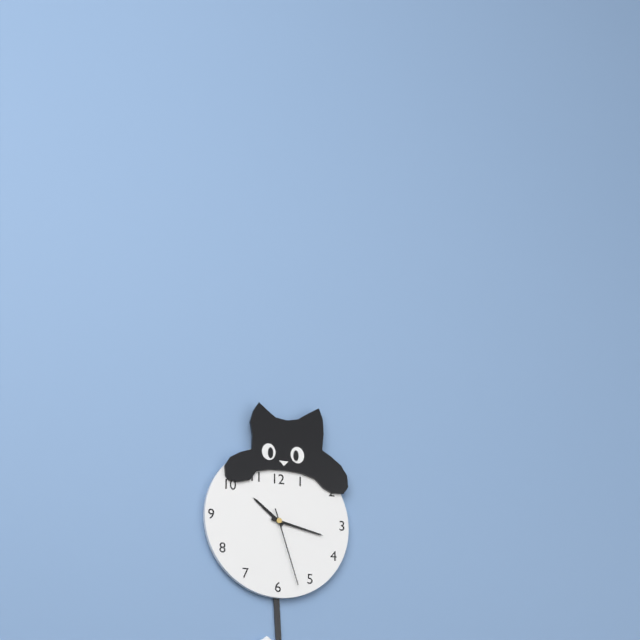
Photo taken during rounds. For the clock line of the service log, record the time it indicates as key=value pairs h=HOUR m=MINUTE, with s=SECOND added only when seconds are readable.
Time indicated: h=10 m=17 s=27
